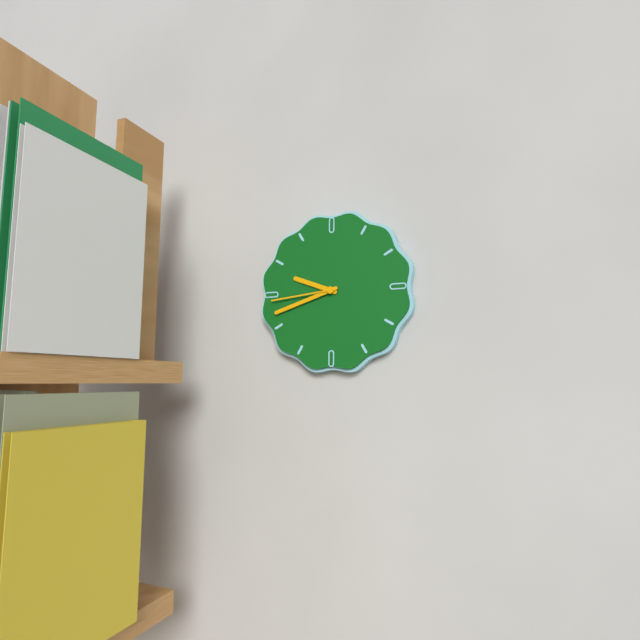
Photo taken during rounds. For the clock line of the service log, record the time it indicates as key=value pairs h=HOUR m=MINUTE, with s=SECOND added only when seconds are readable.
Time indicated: h=9 m=42 s=44
